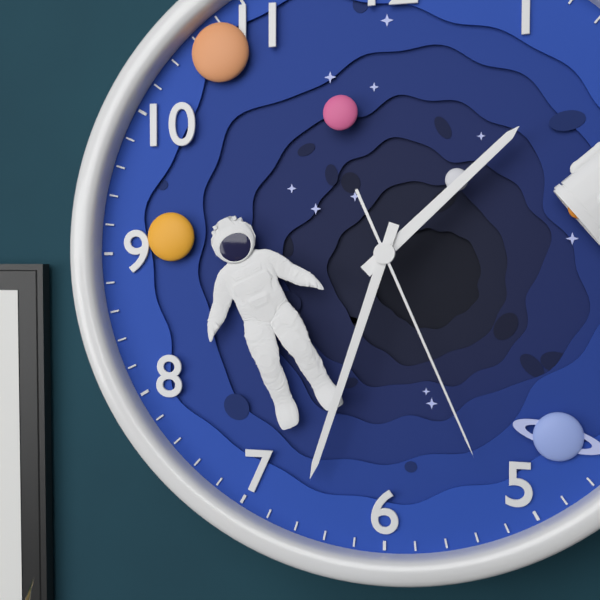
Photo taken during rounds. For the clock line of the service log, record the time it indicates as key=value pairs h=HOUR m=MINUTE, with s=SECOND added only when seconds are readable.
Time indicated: h=1 m=33 s=26
